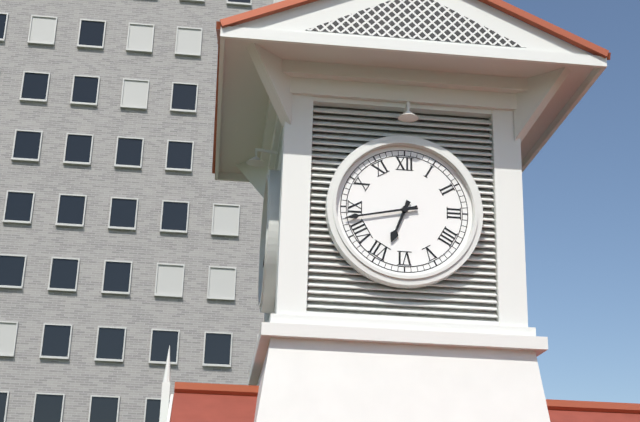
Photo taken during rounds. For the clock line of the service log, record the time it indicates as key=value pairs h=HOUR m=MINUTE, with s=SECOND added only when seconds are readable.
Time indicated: h=6 m=43
